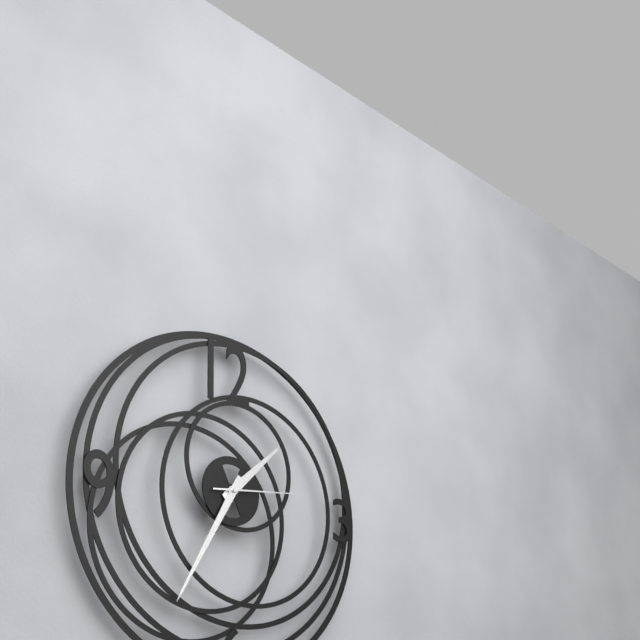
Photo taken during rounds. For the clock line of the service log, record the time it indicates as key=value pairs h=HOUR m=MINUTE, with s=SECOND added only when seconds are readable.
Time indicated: h=1 m=35 s=14
